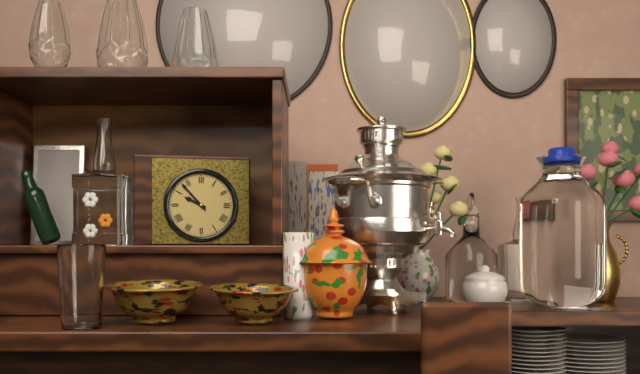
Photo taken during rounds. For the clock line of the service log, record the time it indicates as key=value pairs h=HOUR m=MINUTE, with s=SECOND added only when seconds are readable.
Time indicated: h=9 m=53
